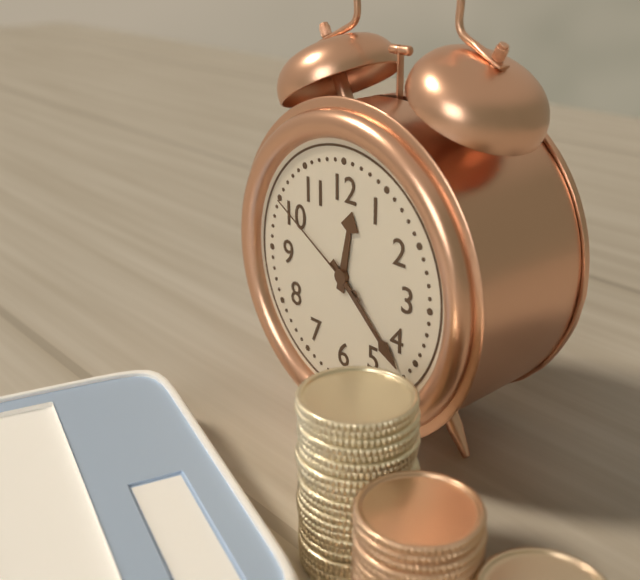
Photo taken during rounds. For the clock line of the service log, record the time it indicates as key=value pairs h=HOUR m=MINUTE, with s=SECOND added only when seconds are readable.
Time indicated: h=12 m=22 s=50
